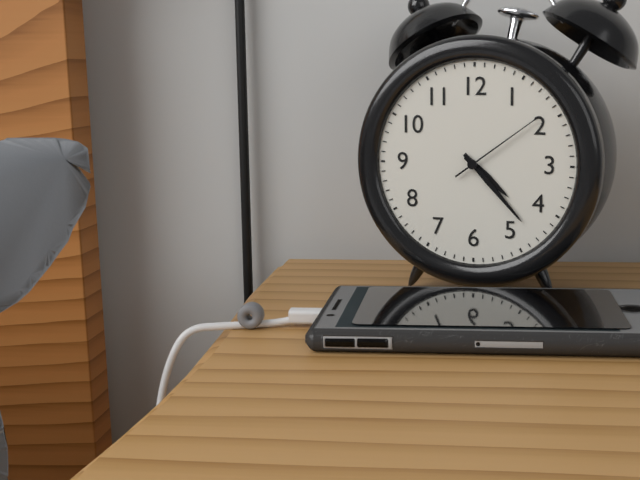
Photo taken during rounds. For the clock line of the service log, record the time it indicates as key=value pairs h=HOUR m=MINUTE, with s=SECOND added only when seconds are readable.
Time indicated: h=4 m=23 s=9
